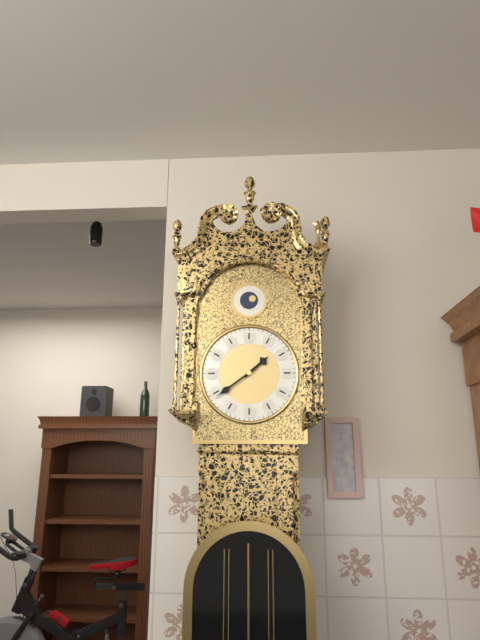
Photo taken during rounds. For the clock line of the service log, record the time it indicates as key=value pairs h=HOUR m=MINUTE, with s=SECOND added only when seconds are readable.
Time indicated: h=1 m=39
